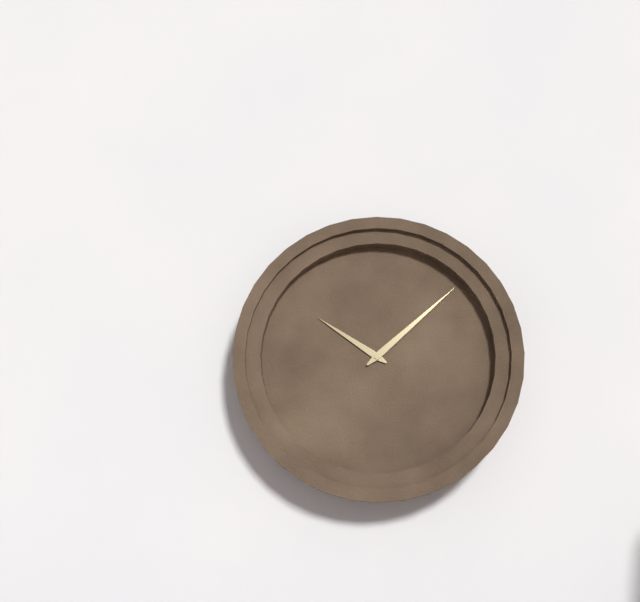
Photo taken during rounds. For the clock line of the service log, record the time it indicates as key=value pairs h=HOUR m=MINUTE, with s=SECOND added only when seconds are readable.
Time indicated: h=10 m=8
